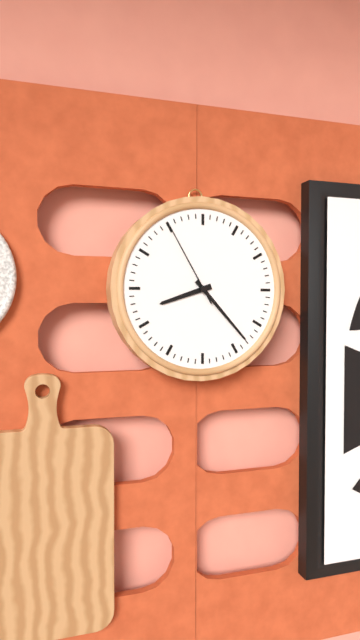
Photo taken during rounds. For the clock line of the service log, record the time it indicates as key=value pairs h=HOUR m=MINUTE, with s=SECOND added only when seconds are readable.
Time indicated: h=8 m=23 s=55
